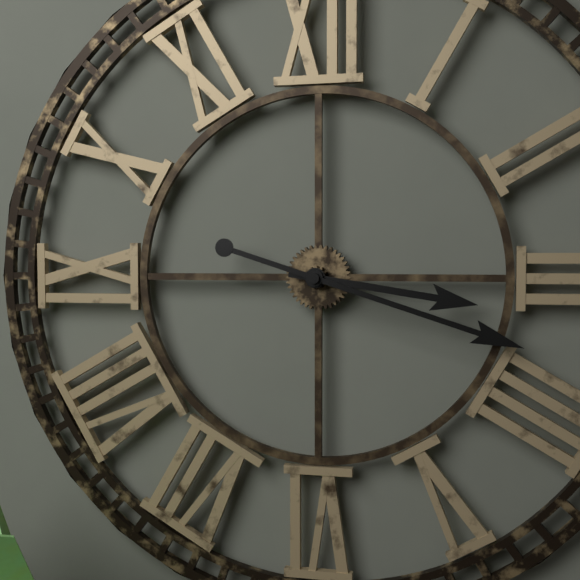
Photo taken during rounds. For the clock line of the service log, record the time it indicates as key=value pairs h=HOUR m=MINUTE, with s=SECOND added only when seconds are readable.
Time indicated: h=3 m=18
